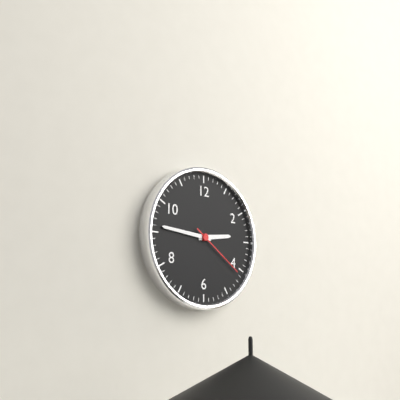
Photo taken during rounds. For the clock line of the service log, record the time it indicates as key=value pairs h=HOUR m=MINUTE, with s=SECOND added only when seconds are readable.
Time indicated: h=2 m=46 s=21
